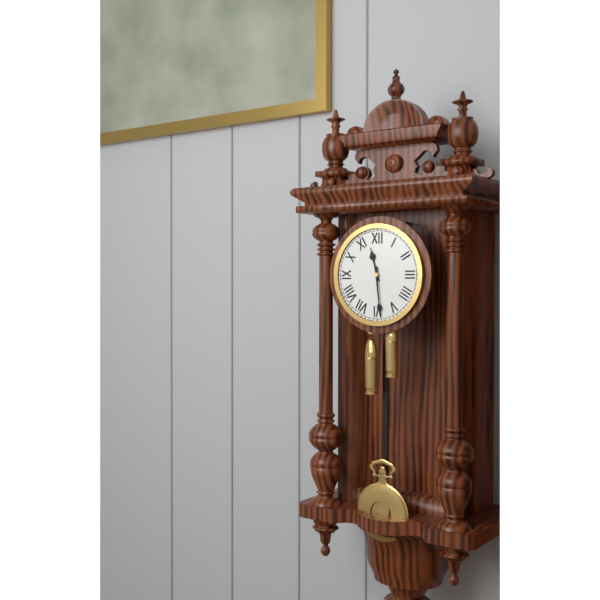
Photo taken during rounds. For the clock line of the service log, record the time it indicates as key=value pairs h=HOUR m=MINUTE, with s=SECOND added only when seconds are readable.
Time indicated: h=11 m=29
